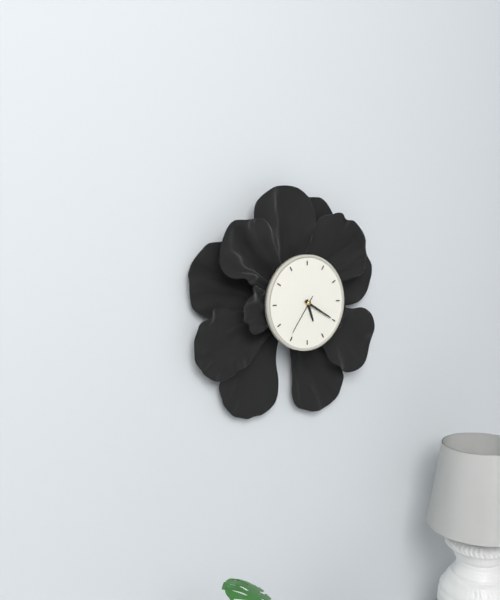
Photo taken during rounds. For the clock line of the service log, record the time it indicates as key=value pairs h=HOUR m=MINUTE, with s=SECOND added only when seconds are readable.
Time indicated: h=5 m=20
